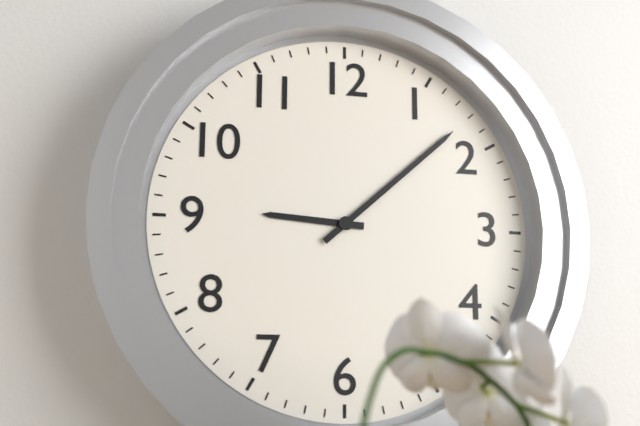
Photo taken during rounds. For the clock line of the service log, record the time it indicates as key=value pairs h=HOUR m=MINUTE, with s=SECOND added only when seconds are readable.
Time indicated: h=9 m=8
